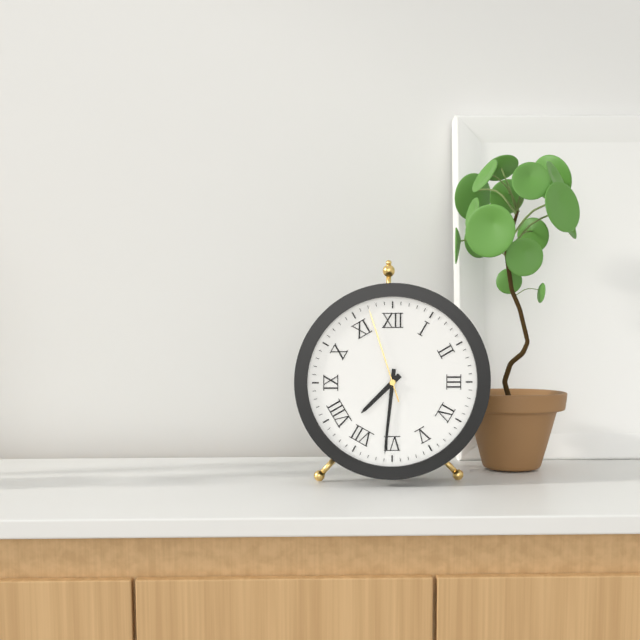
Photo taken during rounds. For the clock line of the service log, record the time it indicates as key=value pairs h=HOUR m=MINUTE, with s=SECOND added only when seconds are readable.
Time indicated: h=7 m=31 s=57
